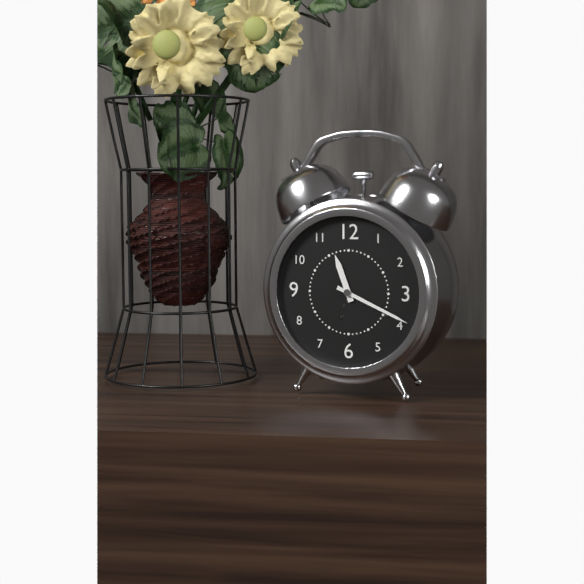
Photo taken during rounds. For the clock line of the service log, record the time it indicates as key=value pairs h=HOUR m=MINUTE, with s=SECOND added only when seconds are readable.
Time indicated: h=11 m=19
